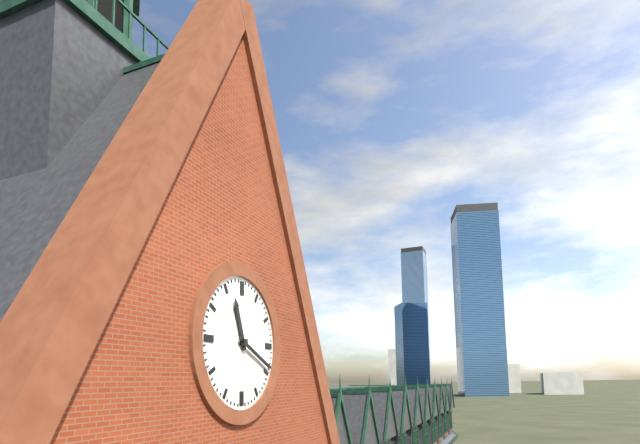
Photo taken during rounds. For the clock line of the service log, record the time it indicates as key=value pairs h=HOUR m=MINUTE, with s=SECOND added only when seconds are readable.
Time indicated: h=11 m=19
